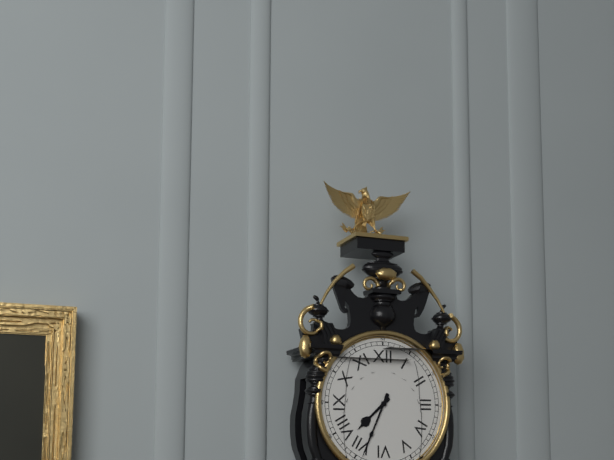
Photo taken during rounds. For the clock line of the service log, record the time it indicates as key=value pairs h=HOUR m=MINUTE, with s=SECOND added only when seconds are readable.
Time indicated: h=7 m=34
